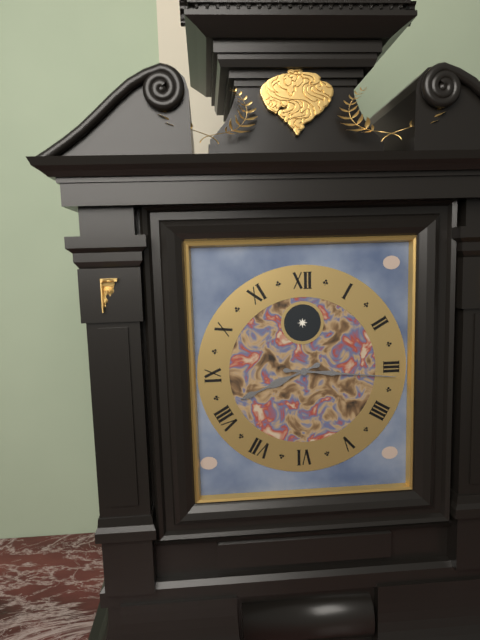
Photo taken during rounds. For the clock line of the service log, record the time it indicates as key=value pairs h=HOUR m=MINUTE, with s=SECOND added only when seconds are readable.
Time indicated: h=8 m=16
